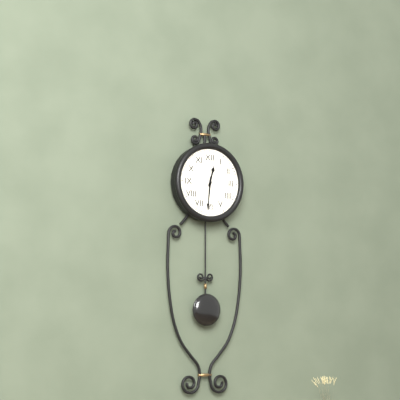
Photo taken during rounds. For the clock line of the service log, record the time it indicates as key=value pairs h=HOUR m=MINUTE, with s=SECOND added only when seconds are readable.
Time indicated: h=12 m=31
